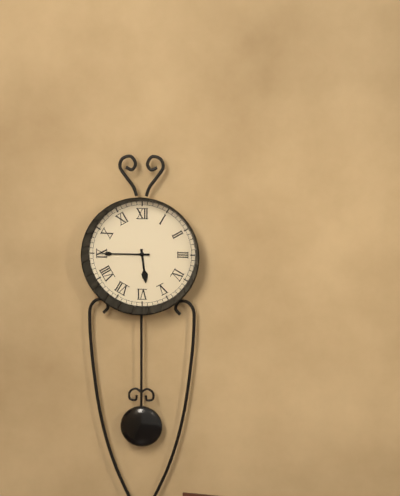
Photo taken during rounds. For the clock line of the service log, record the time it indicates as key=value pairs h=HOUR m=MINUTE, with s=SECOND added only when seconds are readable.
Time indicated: h=5 m=45
